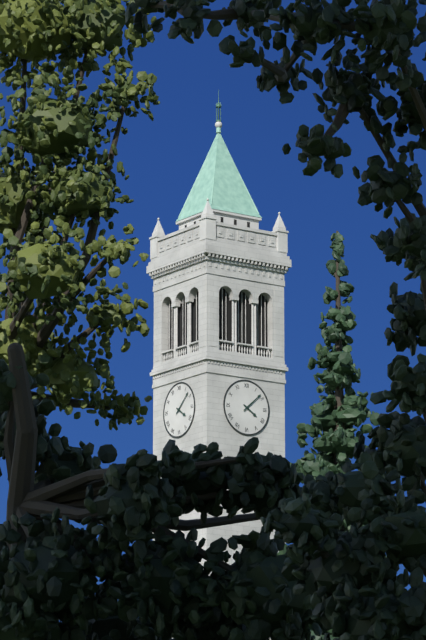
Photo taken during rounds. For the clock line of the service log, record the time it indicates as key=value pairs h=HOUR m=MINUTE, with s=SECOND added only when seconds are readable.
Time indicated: h=4 m=8
